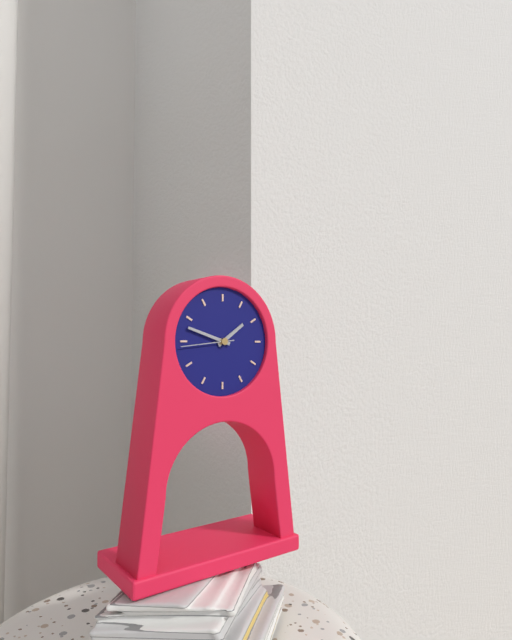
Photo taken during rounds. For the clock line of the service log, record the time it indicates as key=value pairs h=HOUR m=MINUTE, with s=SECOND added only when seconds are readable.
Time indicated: h=1 m=48 s=44
